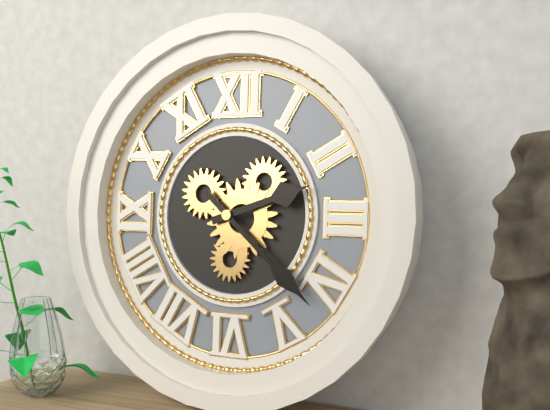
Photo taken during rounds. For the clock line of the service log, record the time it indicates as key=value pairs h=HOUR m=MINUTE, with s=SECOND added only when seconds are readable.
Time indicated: h=2 m=22
